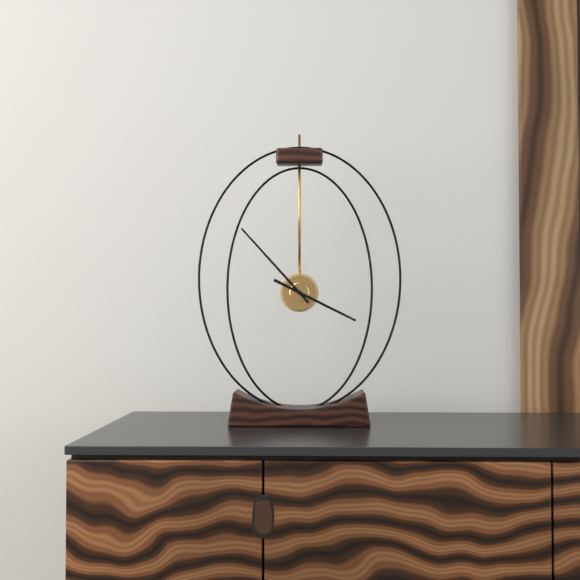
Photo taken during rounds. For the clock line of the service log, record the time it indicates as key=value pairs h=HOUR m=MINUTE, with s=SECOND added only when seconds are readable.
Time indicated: h=3 m=53
